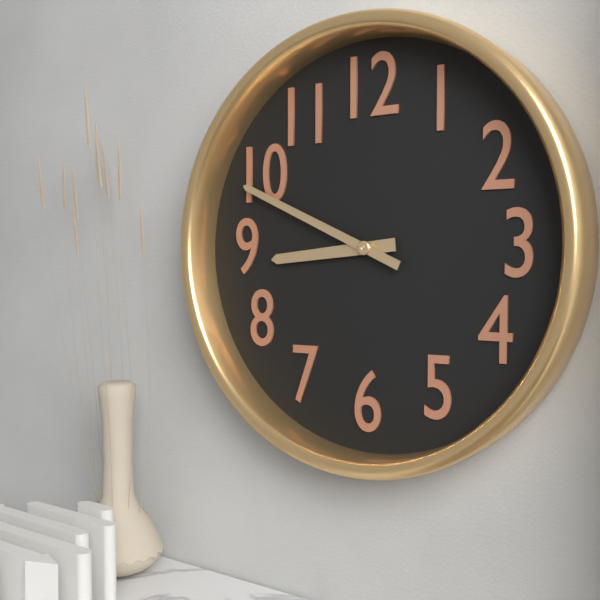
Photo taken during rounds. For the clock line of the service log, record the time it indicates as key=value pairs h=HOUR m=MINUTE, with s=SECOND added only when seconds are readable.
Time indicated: h=8 m=49
